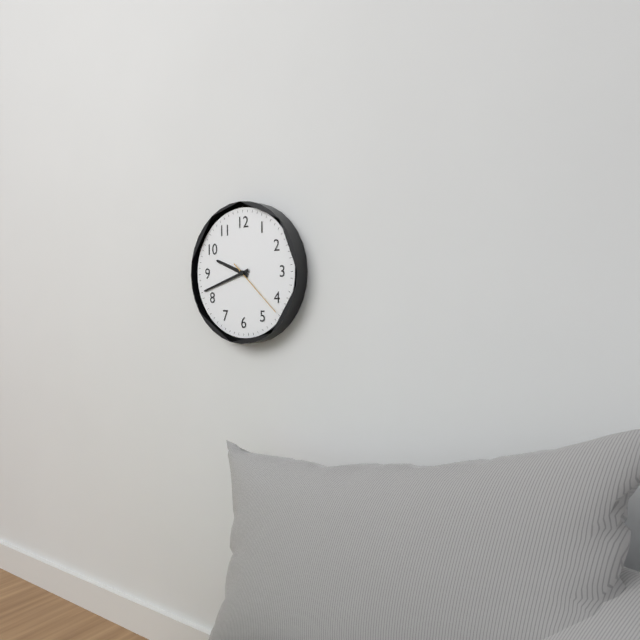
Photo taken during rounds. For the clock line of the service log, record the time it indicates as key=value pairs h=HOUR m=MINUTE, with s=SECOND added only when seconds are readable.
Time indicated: h=9 m=42 s=22
